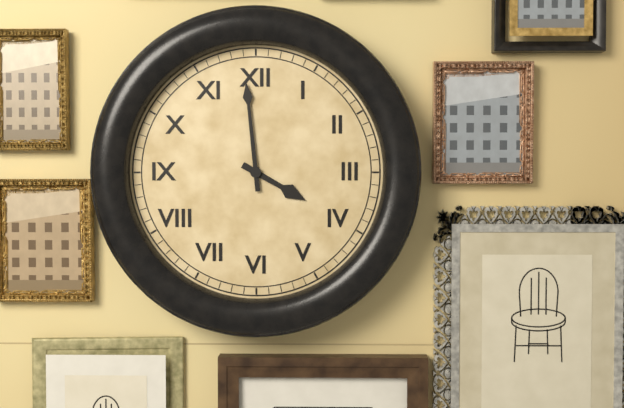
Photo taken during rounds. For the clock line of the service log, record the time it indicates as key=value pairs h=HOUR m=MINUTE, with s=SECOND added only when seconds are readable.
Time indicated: h=3 m=59
